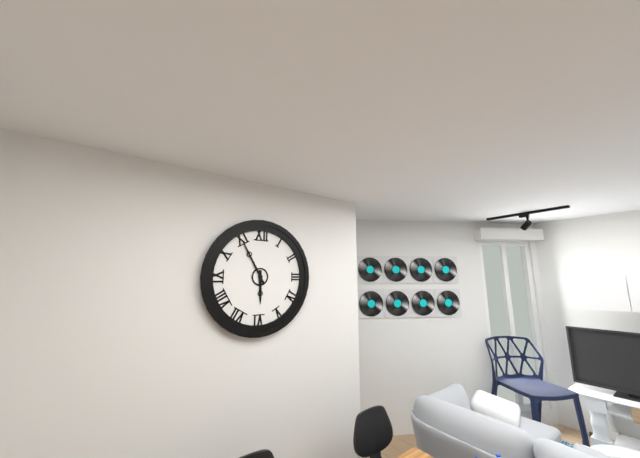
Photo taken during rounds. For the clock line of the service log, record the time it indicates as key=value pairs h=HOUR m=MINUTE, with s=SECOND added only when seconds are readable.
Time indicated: h=5 m=55
